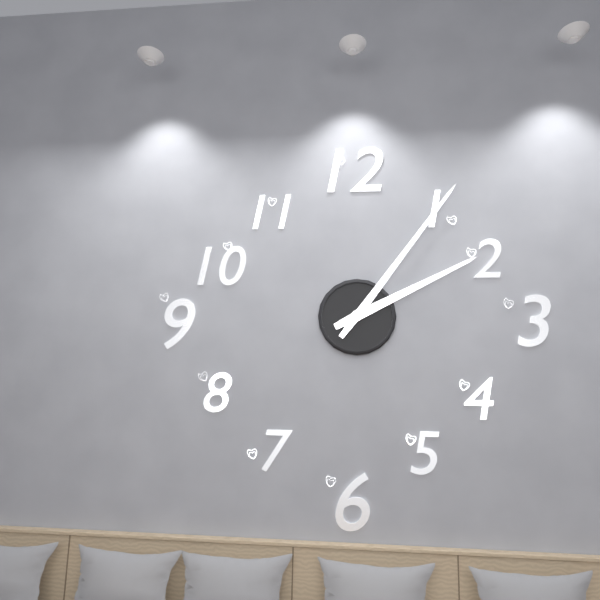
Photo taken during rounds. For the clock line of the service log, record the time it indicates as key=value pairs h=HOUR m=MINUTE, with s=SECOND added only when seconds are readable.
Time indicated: h=2 m=6
